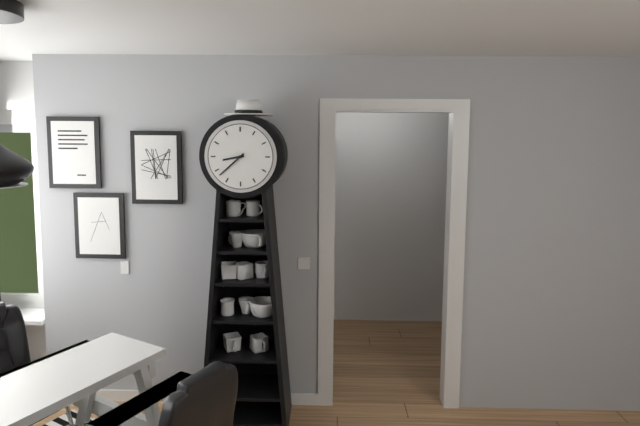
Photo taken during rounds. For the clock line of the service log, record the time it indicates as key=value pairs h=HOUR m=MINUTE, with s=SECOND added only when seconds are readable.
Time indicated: h=8 m=38
